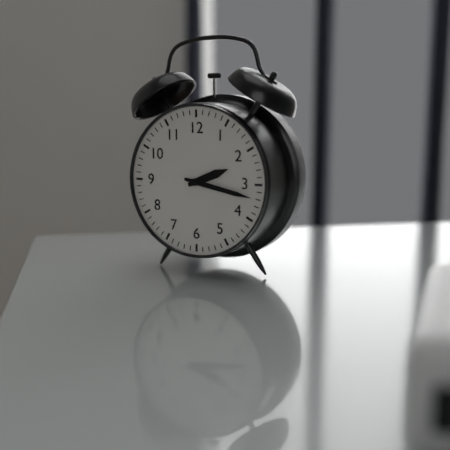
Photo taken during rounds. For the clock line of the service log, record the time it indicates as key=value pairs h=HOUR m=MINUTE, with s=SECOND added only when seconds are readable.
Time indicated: h=2 m=17
